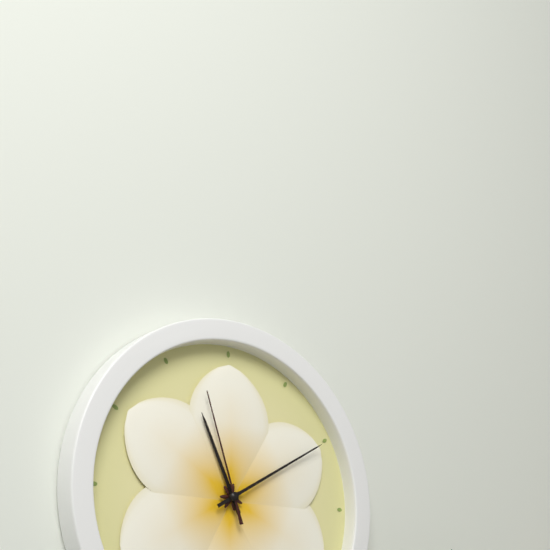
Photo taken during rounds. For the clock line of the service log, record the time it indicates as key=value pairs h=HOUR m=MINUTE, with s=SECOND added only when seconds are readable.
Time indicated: h=11 m=10 s=57
